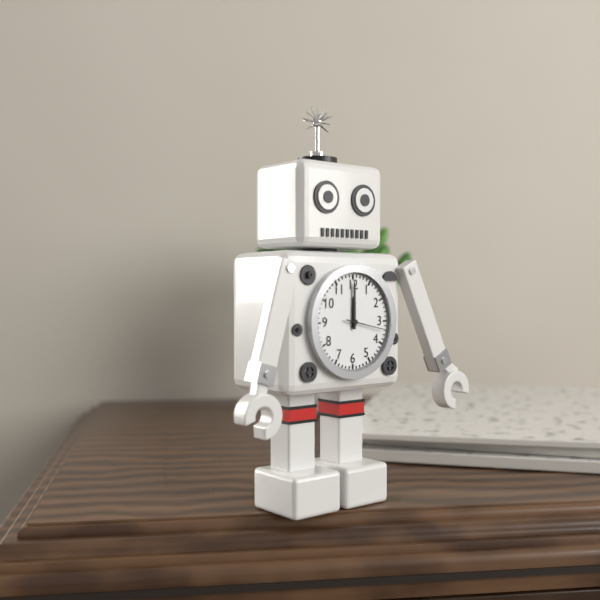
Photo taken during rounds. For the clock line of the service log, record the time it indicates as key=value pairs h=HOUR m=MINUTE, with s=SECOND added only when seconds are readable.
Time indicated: h=12 m=0 s=17
